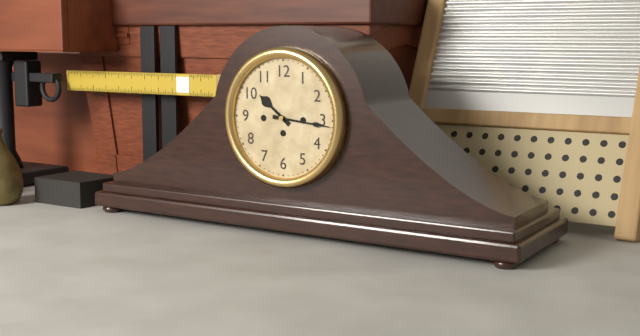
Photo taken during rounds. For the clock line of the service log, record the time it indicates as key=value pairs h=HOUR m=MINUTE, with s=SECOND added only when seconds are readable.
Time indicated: h=10 m=16
